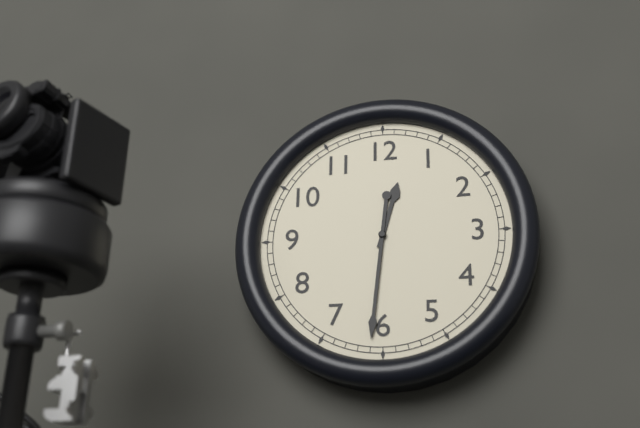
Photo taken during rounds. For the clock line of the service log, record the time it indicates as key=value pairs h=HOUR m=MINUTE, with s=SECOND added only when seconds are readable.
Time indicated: h=12 m=31
